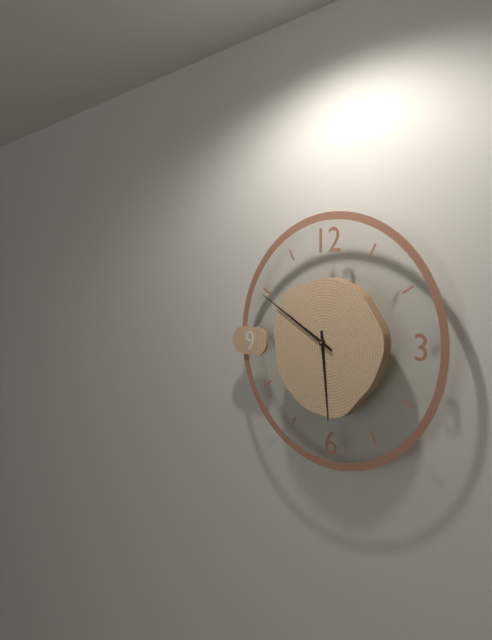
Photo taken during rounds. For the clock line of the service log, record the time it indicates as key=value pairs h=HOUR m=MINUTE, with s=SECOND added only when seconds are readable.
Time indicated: h=5 m=50
